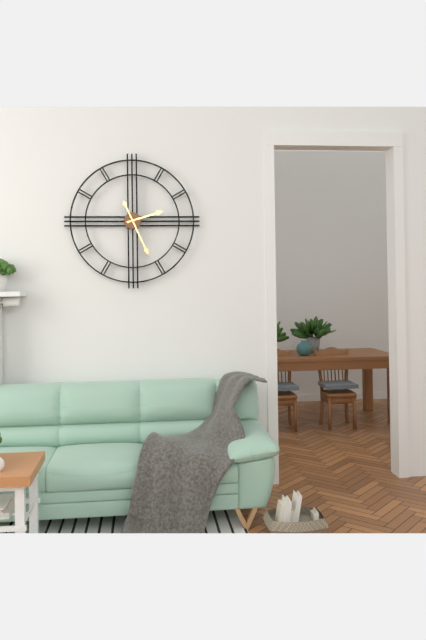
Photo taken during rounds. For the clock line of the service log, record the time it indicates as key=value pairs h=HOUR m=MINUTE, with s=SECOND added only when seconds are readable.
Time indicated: h=2 m=26
